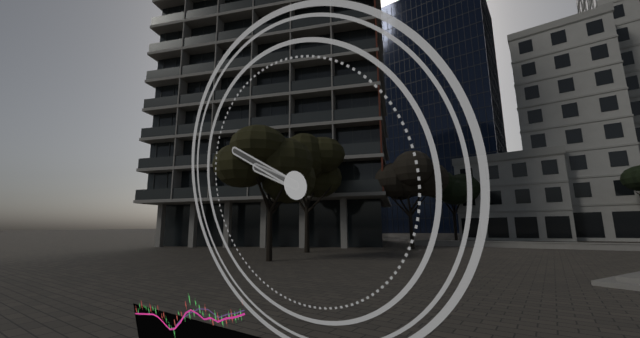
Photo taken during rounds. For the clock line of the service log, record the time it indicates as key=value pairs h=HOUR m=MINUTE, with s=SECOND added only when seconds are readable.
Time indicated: h=9 m=50
